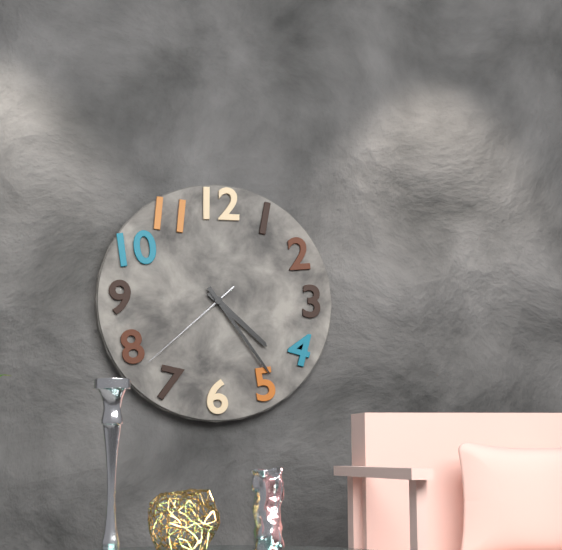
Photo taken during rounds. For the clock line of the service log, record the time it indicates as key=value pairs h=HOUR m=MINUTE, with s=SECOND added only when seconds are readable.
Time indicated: h=4 m=24 s=38
